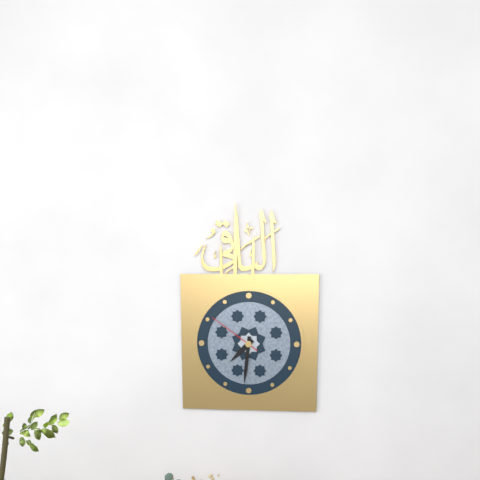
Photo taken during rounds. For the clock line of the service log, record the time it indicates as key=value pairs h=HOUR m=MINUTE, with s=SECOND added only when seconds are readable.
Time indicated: h=7 m=31 s=51
